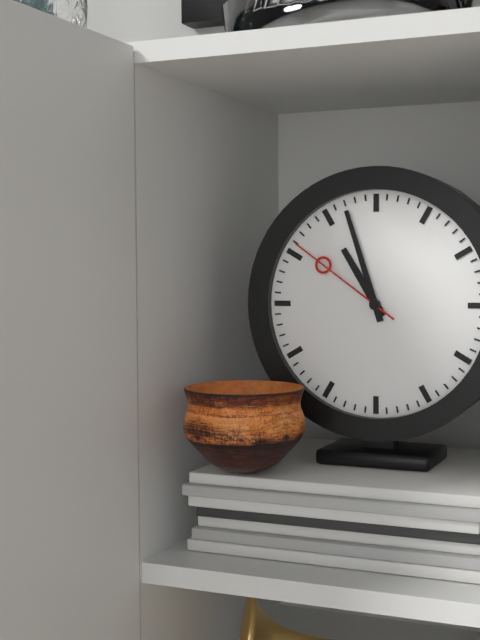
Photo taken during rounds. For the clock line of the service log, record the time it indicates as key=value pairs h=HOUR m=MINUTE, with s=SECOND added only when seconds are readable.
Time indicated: h=10 m=57 s=51
